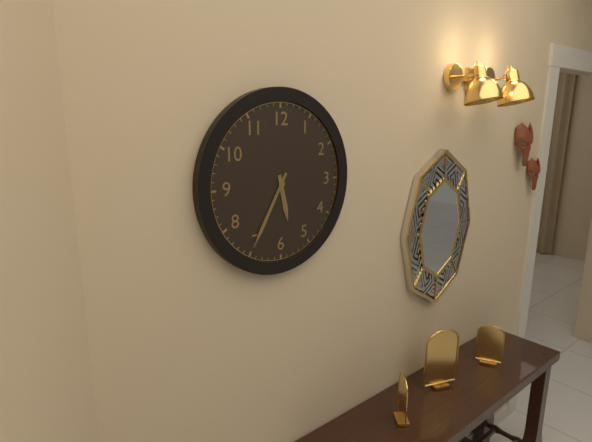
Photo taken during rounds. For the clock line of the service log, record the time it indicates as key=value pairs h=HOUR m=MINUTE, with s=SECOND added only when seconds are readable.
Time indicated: h=5 m=35
